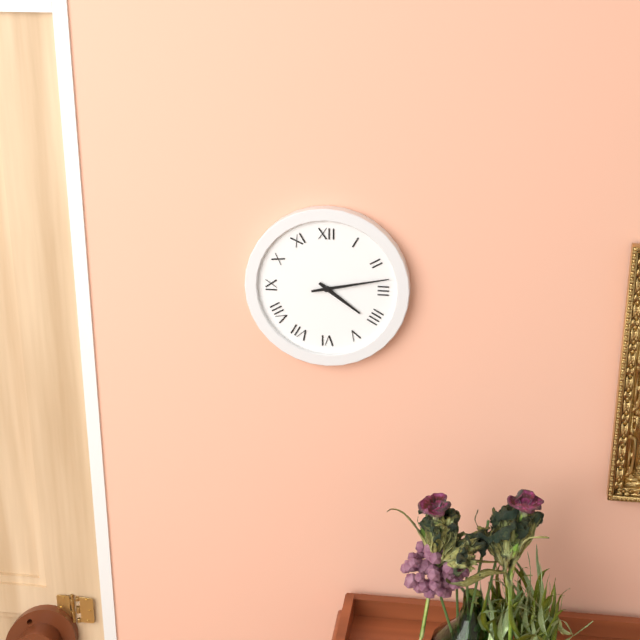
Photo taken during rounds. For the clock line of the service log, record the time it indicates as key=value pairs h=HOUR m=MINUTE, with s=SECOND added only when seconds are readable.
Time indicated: h=4 m=13
